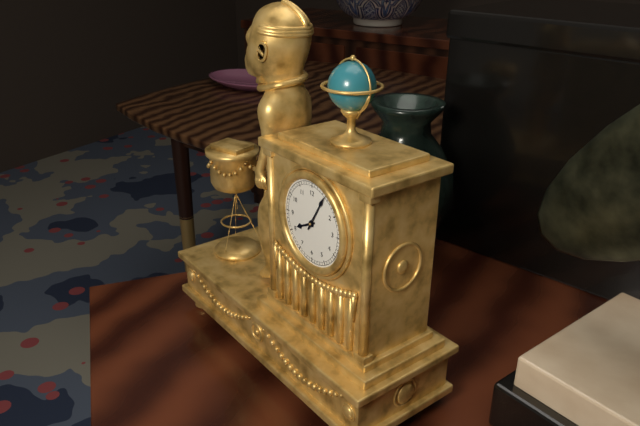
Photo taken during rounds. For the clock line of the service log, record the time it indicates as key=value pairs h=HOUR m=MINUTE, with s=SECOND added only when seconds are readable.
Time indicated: h=8 m=5
